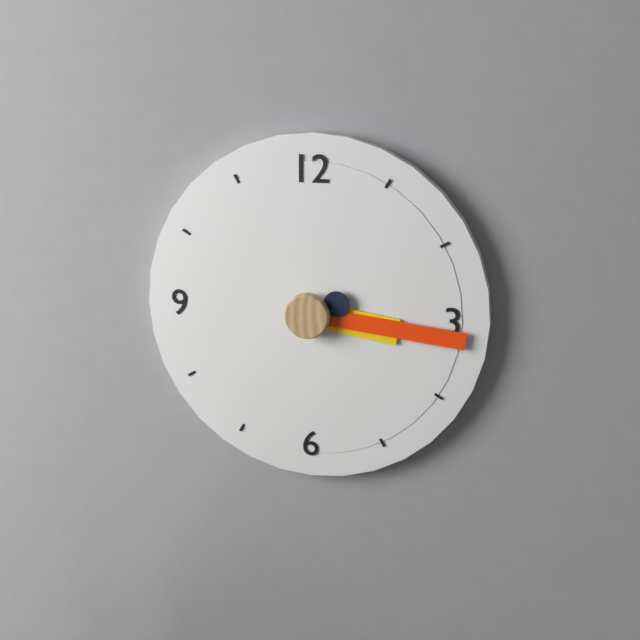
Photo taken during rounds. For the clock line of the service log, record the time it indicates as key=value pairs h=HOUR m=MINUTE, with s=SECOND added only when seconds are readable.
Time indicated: h=3 m=16 s=11
